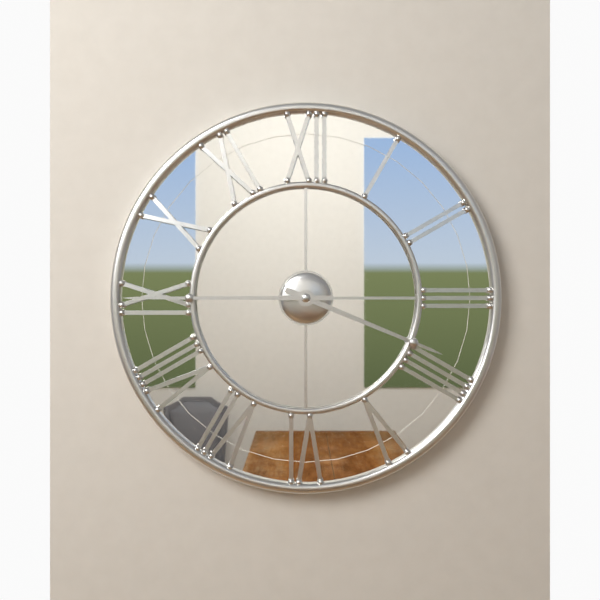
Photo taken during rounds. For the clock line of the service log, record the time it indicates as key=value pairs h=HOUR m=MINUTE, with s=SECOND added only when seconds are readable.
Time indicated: h=3 m=45
